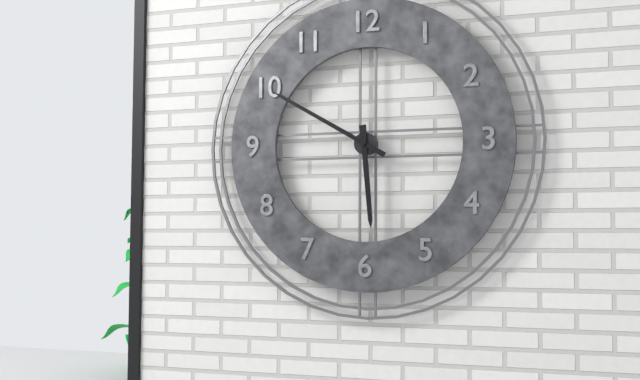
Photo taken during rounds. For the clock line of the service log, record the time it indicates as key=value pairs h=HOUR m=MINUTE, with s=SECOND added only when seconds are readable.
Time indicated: h=5 m=50
